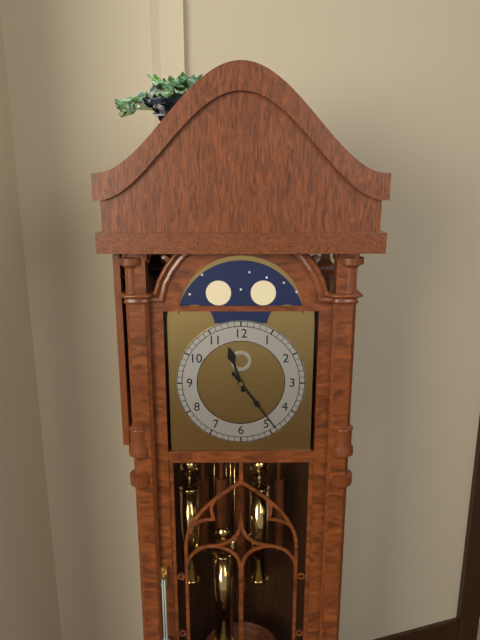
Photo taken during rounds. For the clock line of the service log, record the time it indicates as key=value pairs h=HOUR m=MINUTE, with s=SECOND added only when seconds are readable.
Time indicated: h=11 m=24
